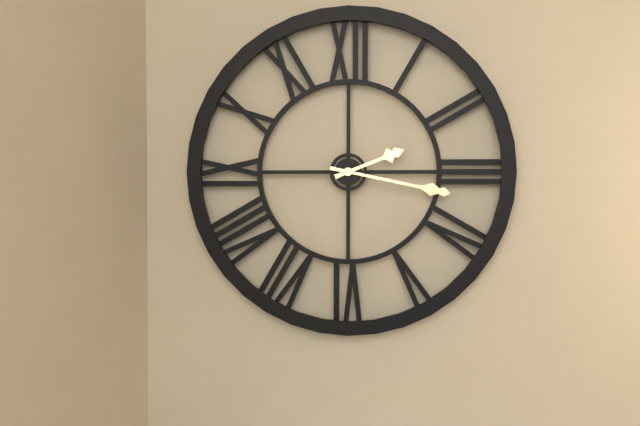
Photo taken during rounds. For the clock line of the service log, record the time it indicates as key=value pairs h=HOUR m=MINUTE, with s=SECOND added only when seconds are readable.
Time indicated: h=2 m=17
